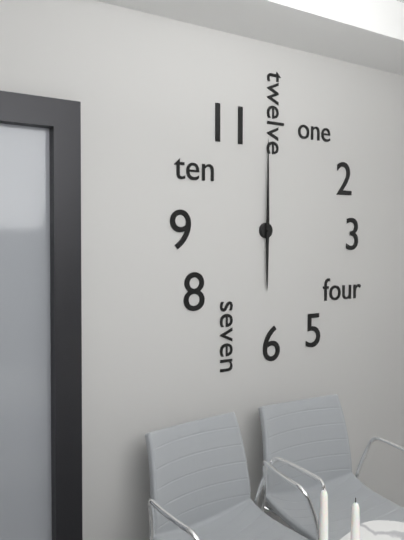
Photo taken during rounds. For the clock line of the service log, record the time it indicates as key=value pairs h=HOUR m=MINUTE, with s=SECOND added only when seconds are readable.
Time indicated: h=6 m=0
